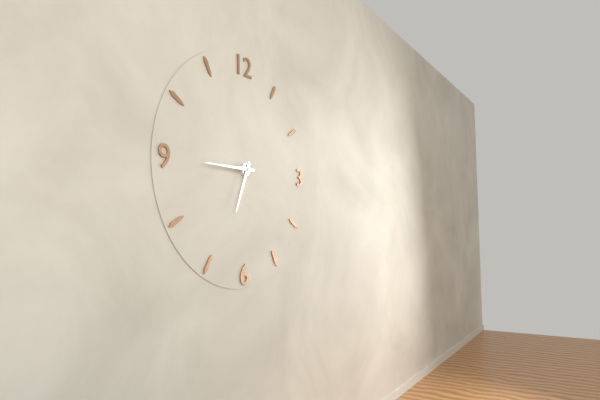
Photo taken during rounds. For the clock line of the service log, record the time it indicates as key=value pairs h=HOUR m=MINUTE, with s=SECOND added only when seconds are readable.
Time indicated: h=6 m=45
